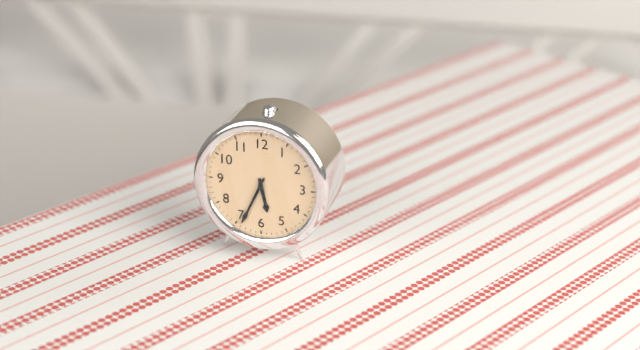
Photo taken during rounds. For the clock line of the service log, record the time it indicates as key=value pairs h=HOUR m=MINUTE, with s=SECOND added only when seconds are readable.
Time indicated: h=5 m=34
